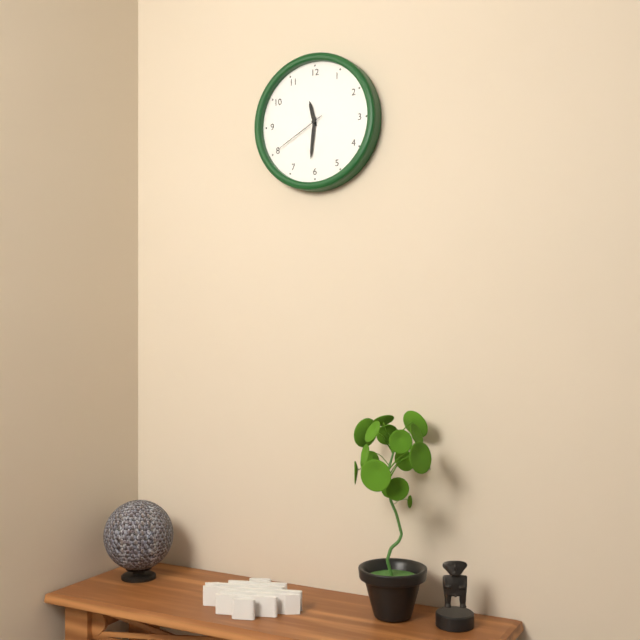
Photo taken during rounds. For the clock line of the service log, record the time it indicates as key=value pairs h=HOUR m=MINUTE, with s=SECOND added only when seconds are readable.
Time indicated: h=11 m=31 s=40
